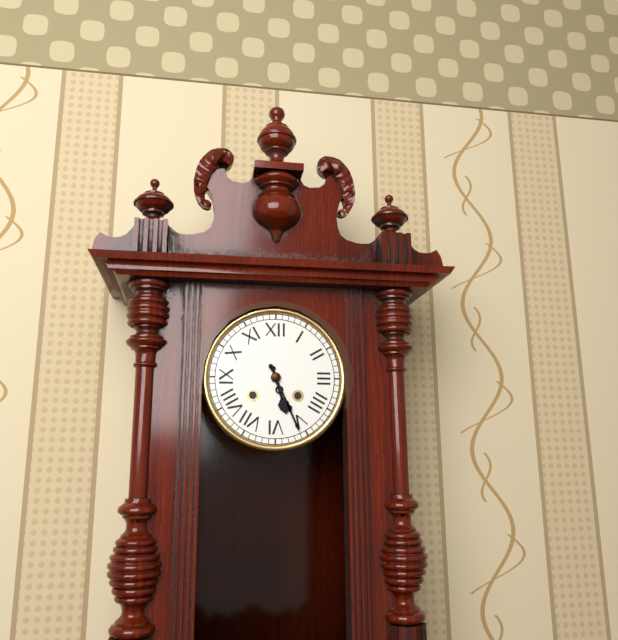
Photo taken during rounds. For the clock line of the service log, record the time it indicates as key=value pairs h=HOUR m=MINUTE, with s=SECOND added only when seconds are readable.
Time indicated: h=5 m=26
